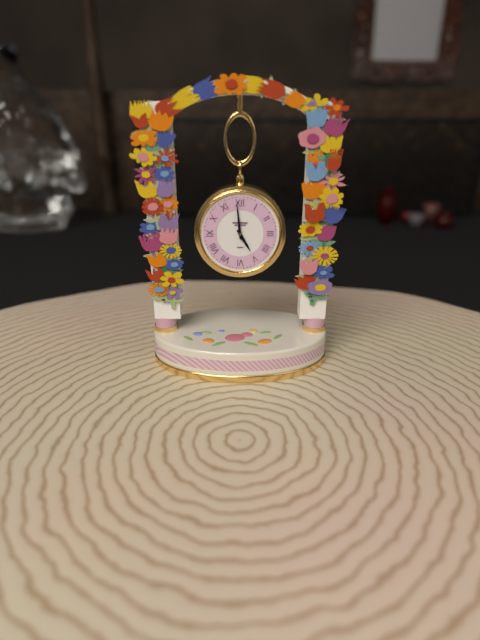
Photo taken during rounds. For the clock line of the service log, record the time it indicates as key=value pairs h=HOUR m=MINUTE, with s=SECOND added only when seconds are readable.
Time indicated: h=4 m=59
